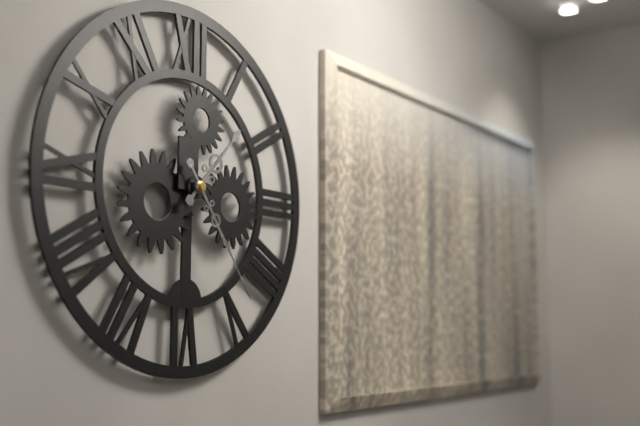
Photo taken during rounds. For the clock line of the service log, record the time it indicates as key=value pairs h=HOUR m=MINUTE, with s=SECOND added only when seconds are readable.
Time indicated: h=1 m=24
